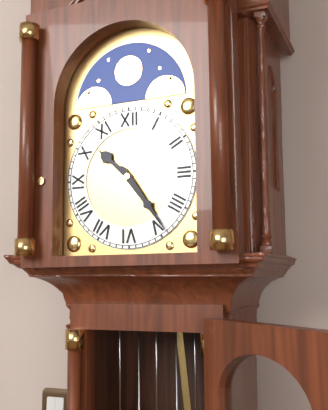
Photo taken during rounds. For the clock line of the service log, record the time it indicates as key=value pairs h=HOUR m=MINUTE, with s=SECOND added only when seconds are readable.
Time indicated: h=10 m=24
